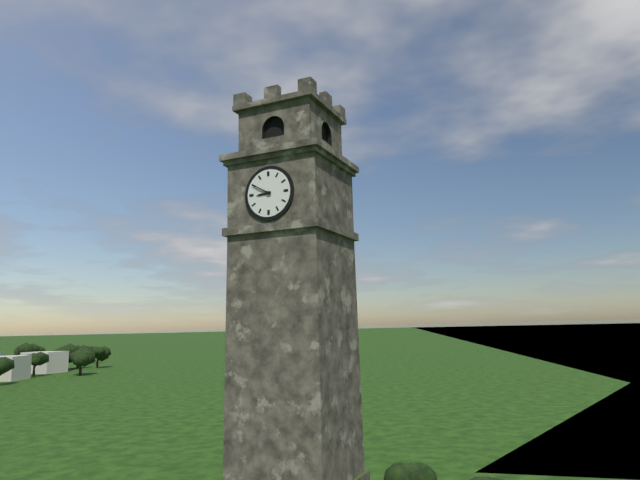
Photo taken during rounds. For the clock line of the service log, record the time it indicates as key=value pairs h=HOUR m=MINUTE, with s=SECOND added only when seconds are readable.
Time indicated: h=8 m=50
